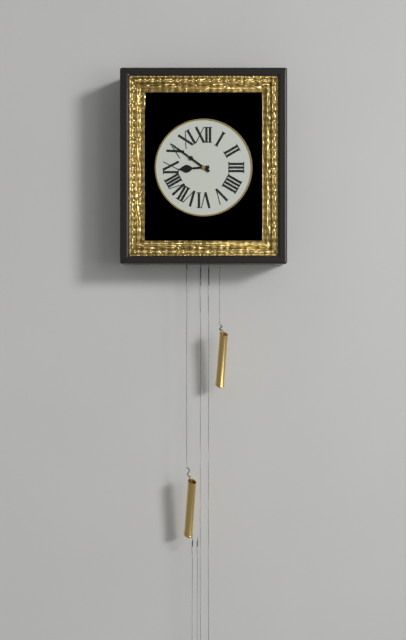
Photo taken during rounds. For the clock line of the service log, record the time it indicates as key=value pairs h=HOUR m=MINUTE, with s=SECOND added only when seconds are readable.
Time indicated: h=8 m=51
